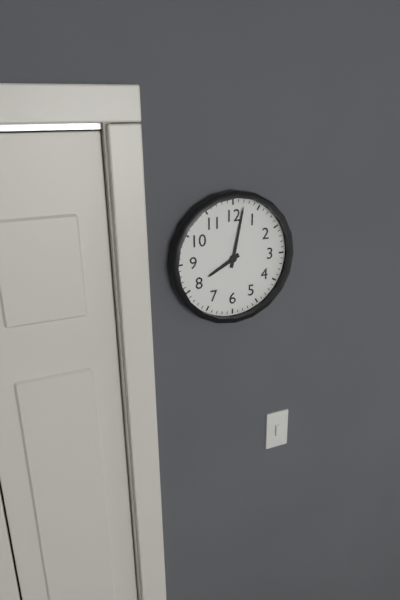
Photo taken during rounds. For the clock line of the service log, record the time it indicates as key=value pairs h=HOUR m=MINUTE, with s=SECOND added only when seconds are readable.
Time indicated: h=8 m=2
